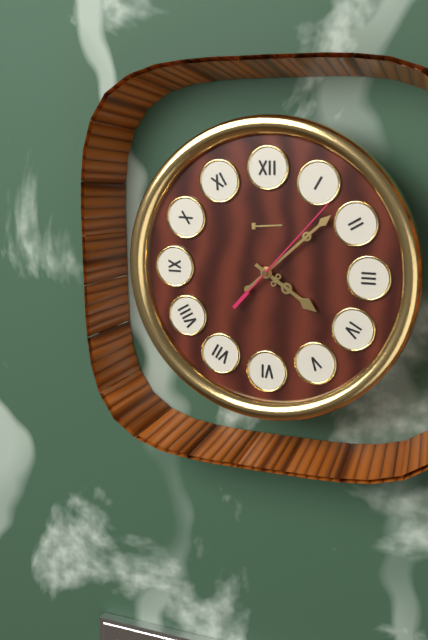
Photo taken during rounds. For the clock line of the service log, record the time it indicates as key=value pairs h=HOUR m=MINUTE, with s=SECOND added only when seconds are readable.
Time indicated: h=4 m=8 s=7
